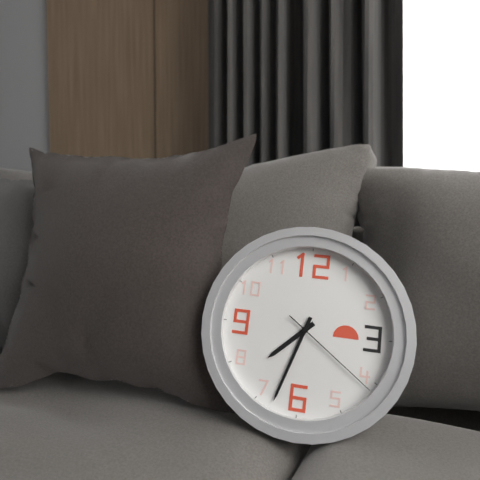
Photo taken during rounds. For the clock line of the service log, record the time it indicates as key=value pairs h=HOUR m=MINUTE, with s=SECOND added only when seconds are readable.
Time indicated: h=7 m=33 s=21
